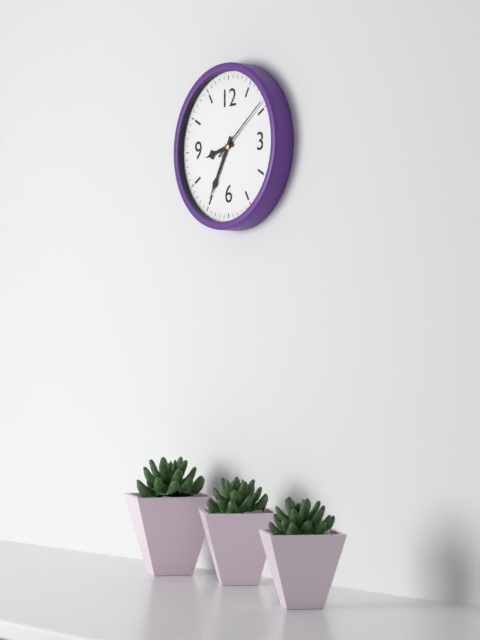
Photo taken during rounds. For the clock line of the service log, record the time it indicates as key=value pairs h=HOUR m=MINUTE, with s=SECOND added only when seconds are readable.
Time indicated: h=8 m=35 s=9
